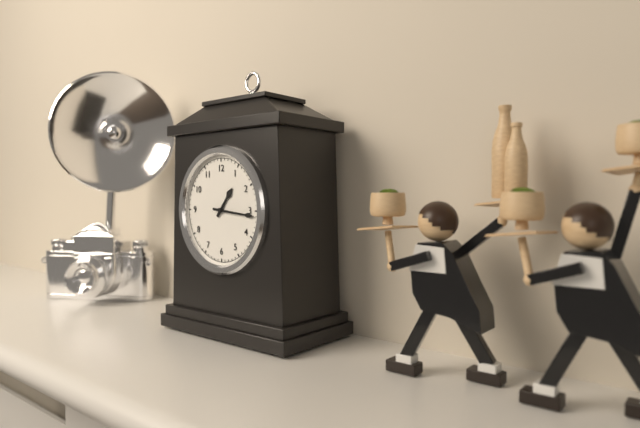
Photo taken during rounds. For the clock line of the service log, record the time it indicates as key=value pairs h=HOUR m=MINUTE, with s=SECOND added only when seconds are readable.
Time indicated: h=1 m=16
